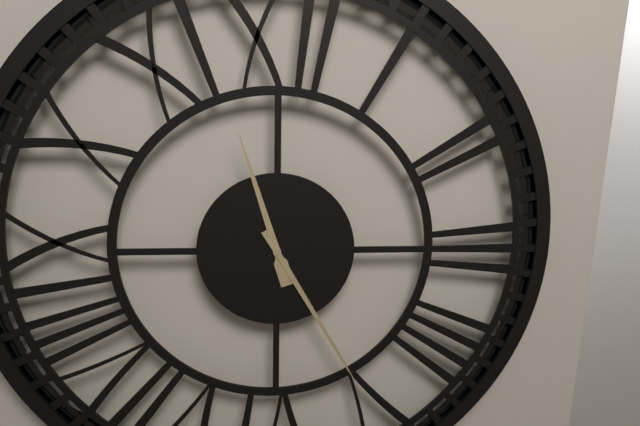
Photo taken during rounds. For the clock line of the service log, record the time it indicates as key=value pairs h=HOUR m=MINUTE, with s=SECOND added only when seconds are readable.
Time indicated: h=11 m=25
